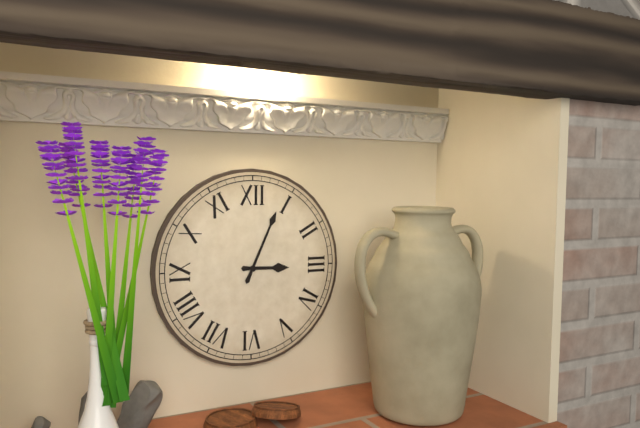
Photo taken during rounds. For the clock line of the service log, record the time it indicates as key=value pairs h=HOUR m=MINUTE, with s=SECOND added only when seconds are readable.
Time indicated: h=3 m=4
